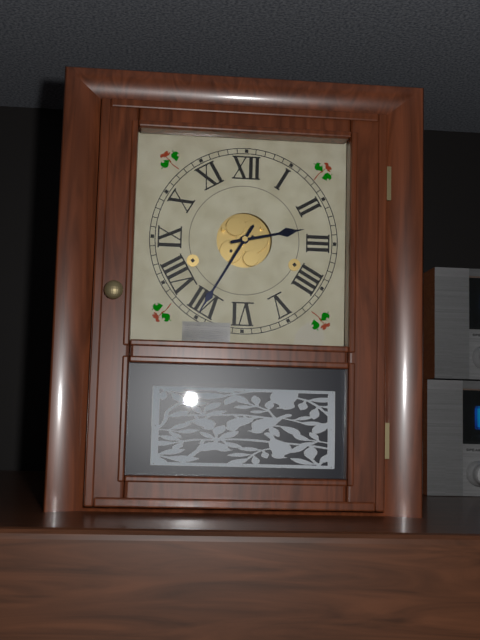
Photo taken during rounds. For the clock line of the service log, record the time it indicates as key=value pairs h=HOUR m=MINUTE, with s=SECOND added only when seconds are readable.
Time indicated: h=2 m=35
